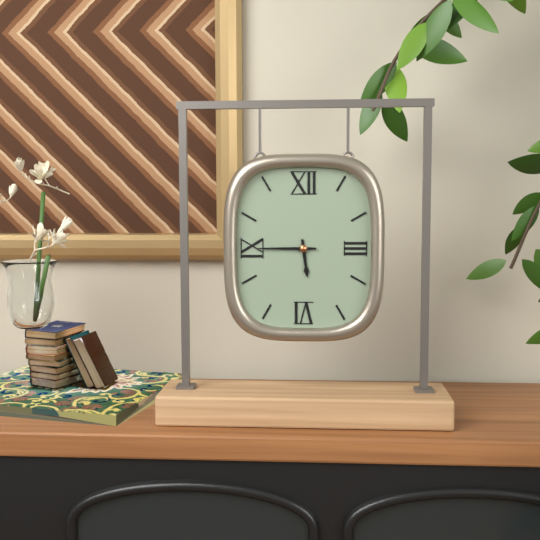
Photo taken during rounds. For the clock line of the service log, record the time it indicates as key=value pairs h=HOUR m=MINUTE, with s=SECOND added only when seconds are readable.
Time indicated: h=5 m=45
